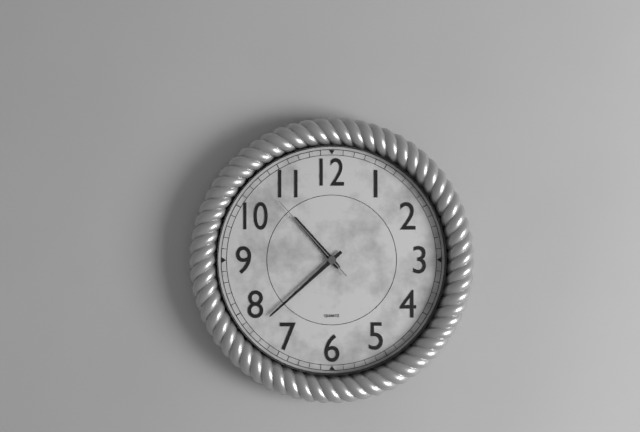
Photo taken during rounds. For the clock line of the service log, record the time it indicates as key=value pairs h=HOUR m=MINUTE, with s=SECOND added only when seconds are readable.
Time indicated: h=10 m=38 s=53
